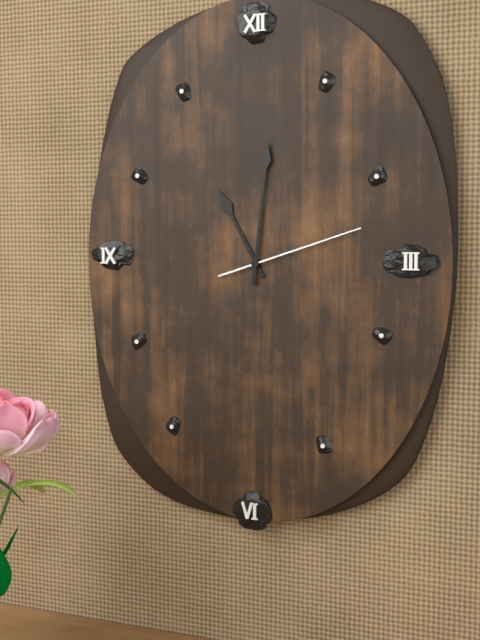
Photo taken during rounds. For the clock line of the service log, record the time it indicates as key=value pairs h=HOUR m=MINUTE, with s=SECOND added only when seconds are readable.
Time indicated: h=11 m=1 s=12
